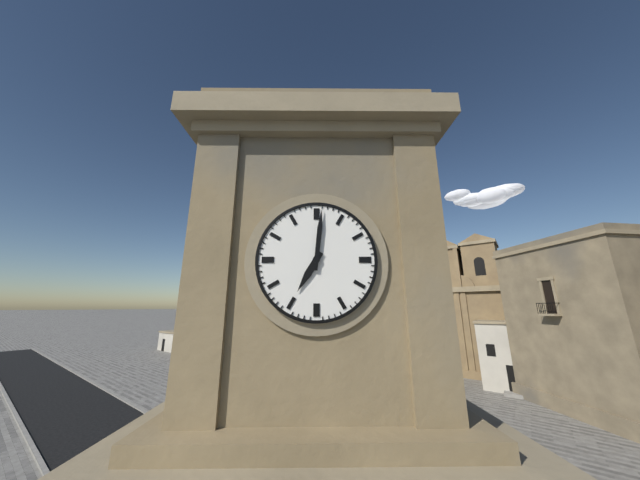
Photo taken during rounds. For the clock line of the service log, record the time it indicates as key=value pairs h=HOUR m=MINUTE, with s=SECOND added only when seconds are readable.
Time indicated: h=7 m=1
